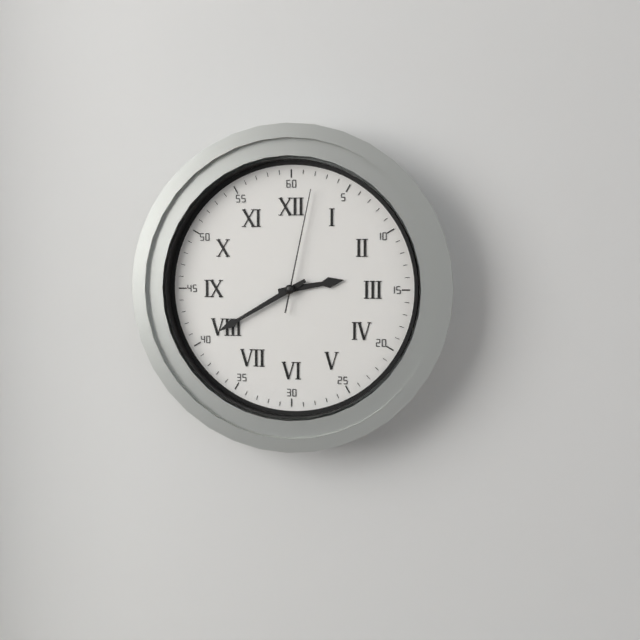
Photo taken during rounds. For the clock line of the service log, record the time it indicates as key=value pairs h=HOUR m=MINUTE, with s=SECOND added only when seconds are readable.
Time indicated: h=2 m=40 s=2
